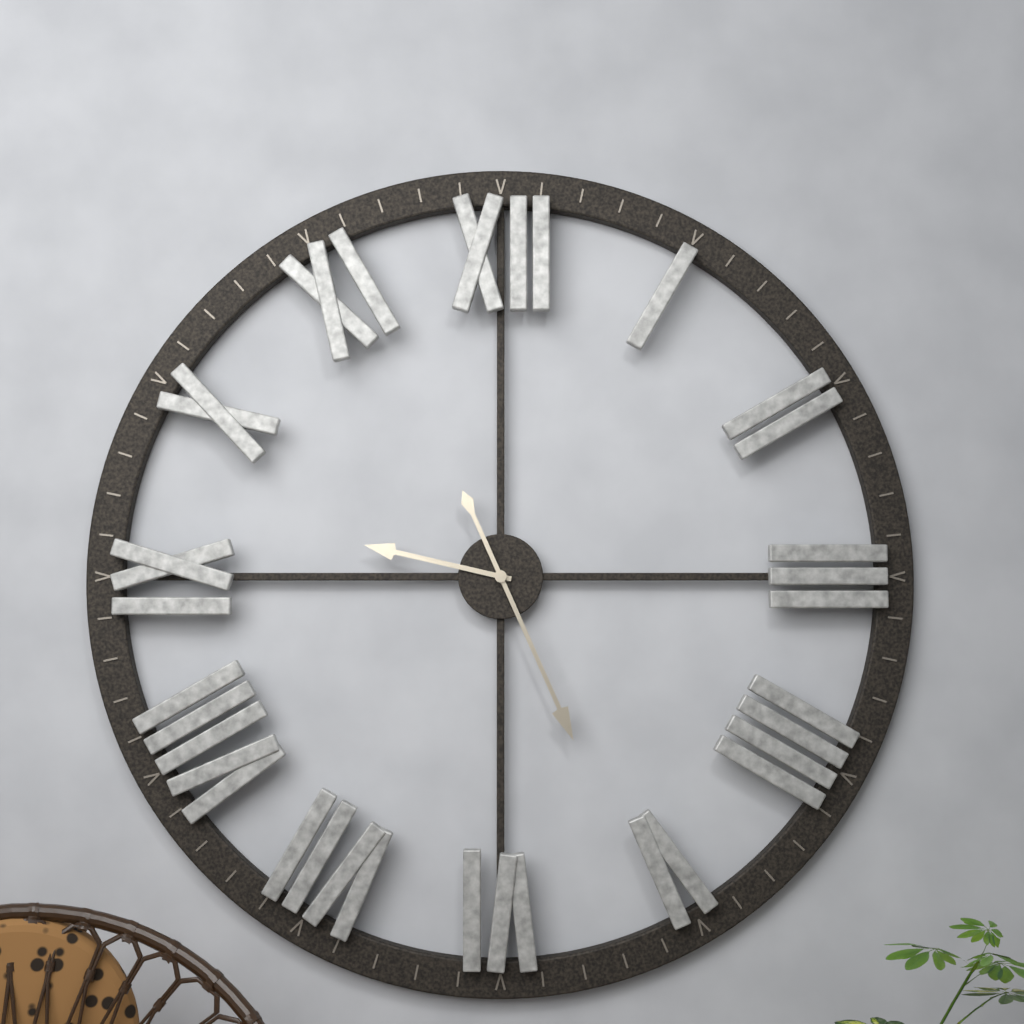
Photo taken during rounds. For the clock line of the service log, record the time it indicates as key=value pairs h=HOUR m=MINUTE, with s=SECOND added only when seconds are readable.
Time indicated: h=9 m=26
